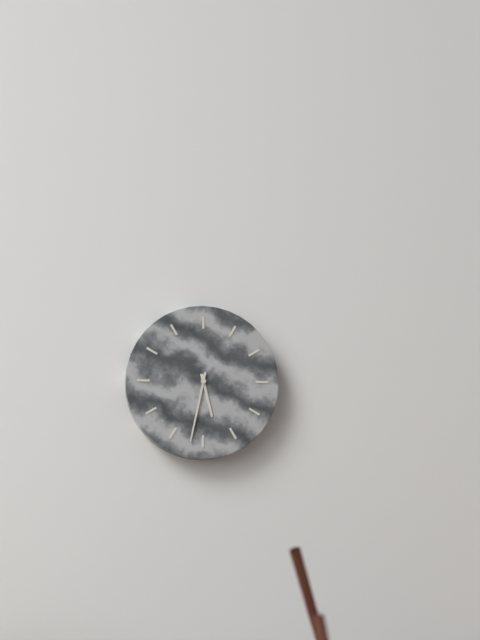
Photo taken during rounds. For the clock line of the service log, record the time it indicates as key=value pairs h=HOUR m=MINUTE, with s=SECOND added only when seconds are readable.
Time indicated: h=5 m=32
